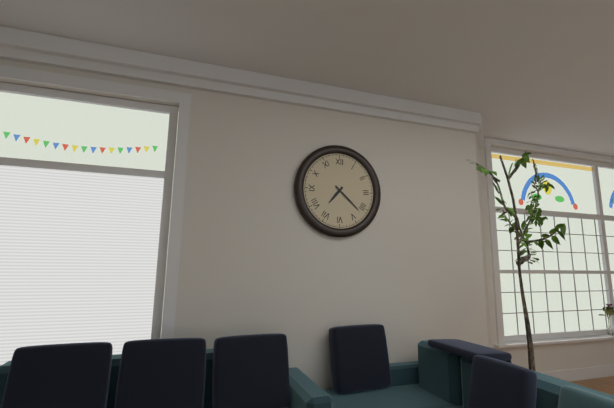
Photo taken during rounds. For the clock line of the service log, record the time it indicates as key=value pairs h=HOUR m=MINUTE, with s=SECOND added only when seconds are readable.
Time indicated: h=7 m=22
